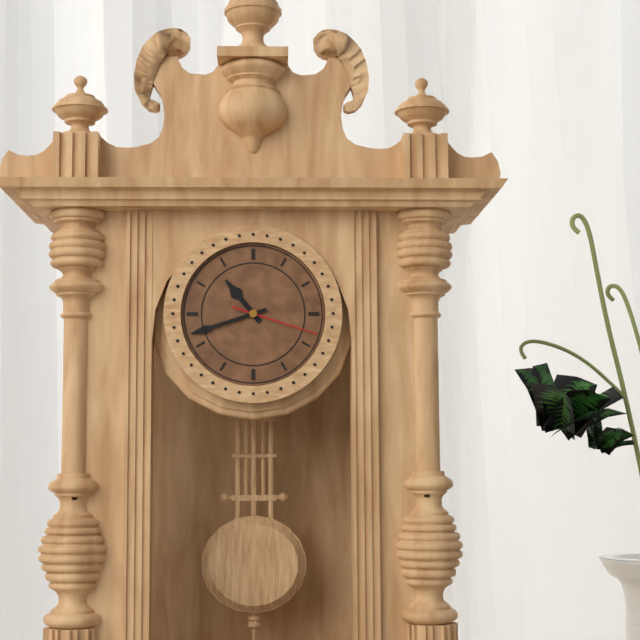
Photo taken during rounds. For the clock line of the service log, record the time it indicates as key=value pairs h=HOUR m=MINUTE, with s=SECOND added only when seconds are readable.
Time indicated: h=10 m=42 s=18
